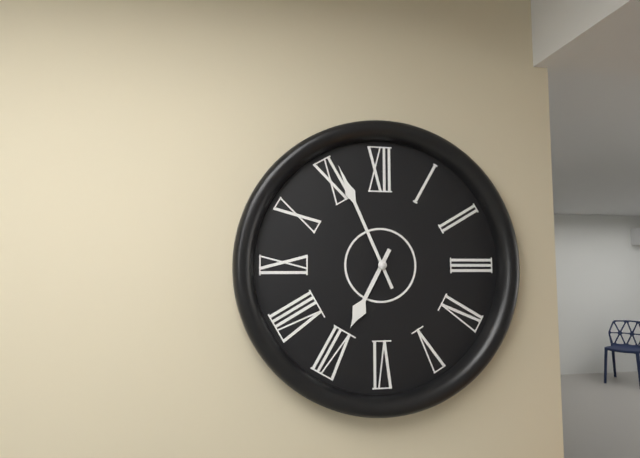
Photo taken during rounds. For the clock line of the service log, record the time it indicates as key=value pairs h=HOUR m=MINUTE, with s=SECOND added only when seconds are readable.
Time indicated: h=6 m=56
